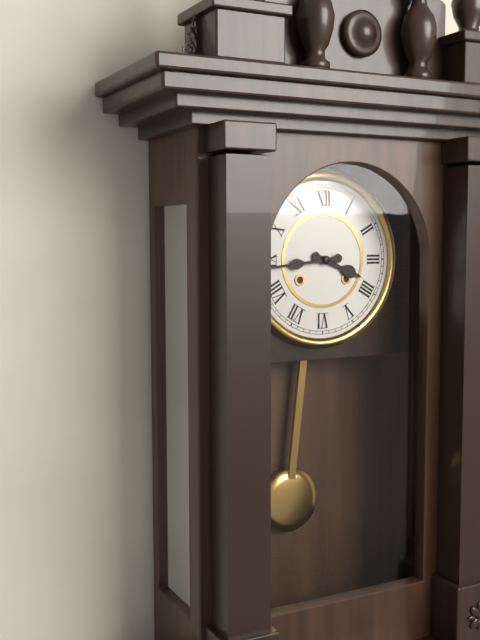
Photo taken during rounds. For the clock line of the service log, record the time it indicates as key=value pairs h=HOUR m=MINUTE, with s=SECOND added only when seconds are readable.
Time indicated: h=3 m=44
